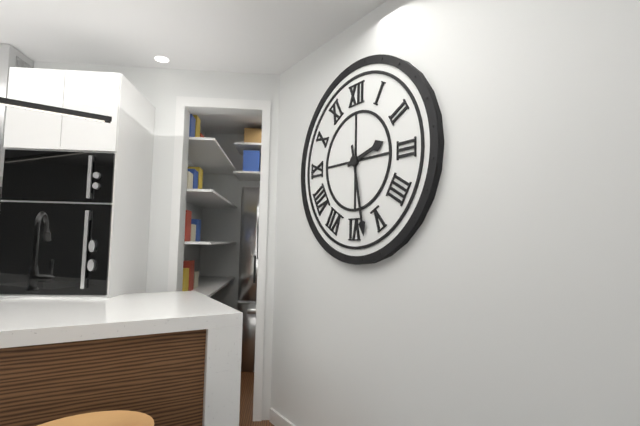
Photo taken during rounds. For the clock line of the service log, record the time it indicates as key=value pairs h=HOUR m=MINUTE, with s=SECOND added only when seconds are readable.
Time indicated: h=2 m=28
